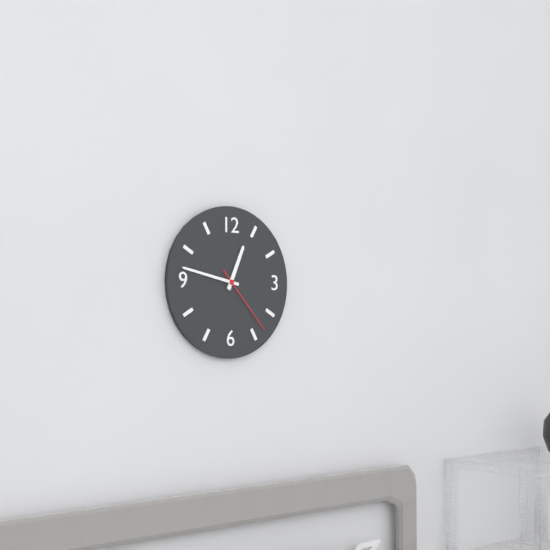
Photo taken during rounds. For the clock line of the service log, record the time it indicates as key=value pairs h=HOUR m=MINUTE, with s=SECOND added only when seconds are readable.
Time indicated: h=12 m=47 s=23
